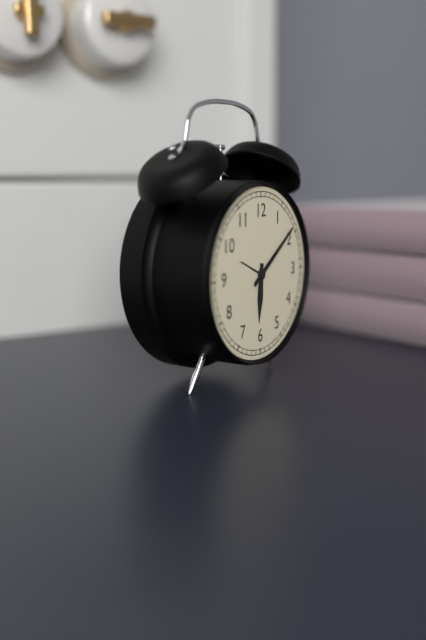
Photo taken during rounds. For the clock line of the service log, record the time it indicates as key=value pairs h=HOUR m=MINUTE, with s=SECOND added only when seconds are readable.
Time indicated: h=6 m=9
